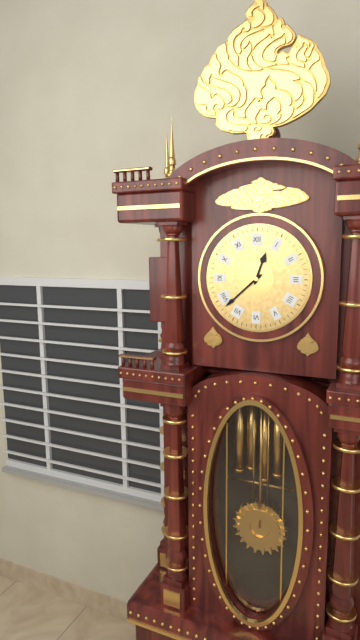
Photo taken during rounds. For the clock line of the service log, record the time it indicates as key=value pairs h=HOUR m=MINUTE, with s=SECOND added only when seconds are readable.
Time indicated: h=12 m=38
